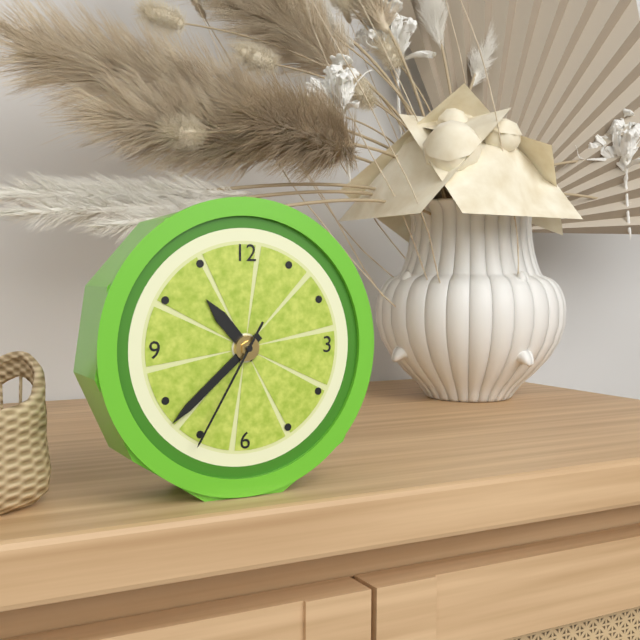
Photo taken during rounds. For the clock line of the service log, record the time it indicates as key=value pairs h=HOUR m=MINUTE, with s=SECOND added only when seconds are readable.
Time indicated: h=10 m=38 s=35
